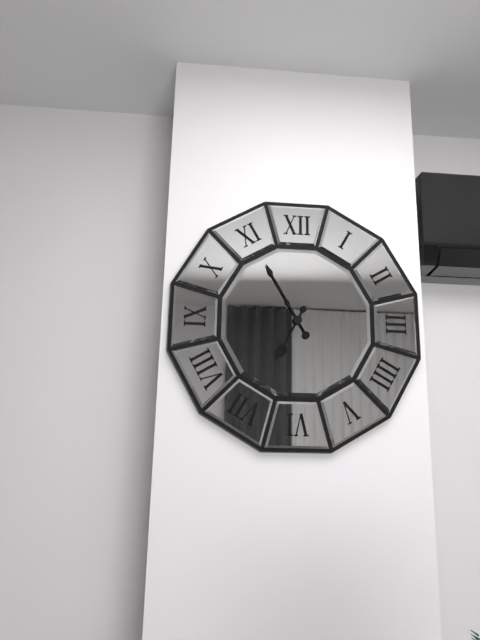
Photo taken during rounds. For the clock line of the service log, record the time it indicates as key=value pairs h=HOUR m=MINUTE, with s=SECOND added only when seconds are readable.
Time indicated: h=6 m=55
